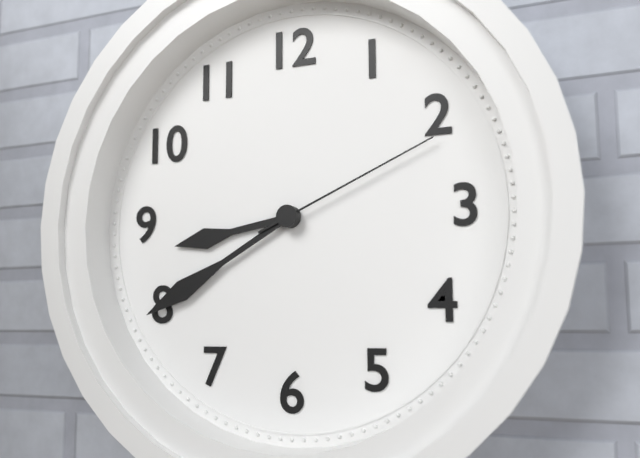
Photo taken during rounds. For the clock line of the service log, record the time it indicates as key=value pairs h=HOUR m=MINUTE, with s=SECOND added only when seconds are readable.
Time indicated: h=8 m=40 s=11
